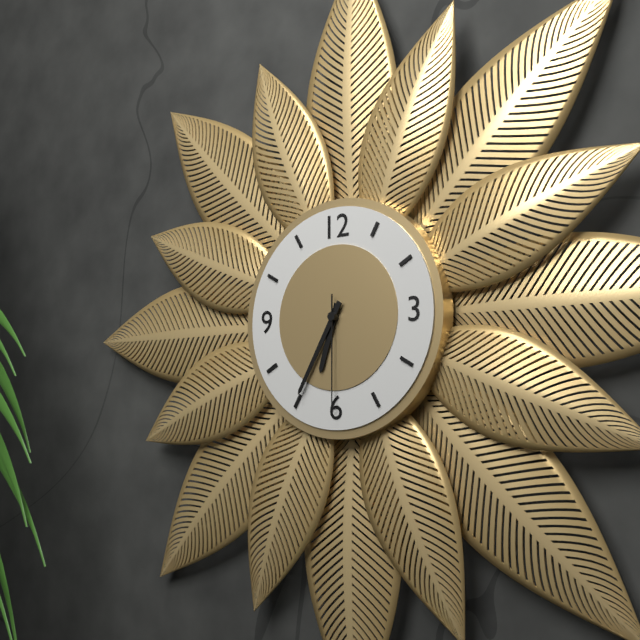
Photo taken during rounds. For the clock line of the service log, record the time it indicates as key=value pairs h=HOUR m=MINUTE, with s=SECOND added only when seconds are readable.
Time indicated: h=6 m=35 s=30
